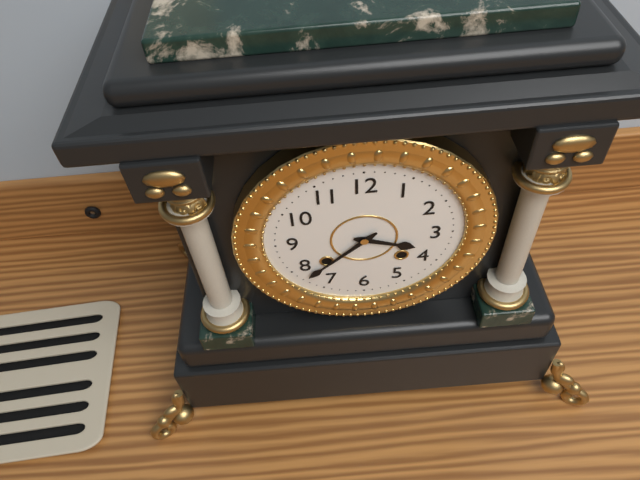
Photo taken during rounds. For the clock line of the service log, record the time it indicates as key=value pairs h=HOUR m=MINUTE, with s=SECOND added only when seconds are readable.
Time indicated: h=3 m=38
